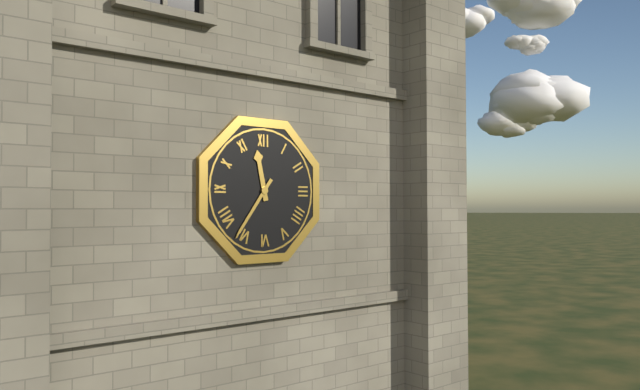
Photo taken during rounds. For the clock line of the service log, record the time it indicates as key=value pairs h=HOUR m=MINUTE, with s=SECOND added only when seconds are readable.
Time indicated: h=11 m=36
